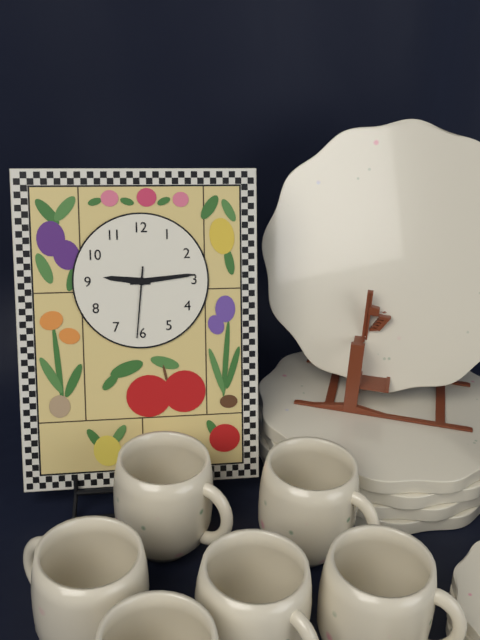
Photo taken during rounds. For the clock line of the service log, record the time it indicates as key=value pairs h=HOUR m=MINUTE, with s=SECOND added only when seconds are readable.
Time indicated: h=9 m=14 s=31
